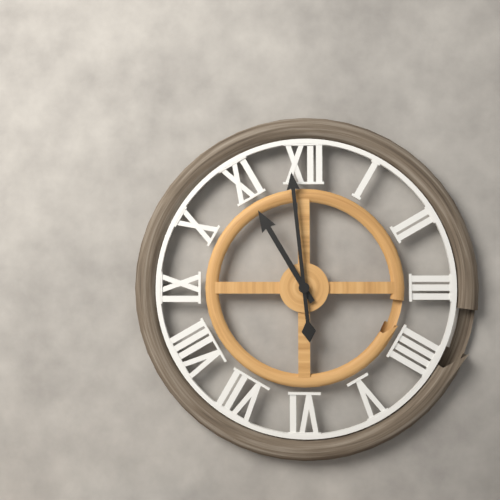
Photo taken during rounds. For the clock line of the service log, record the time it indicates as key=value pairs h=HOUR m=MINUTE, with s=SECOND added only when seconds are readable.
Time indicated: h=10 m=59
